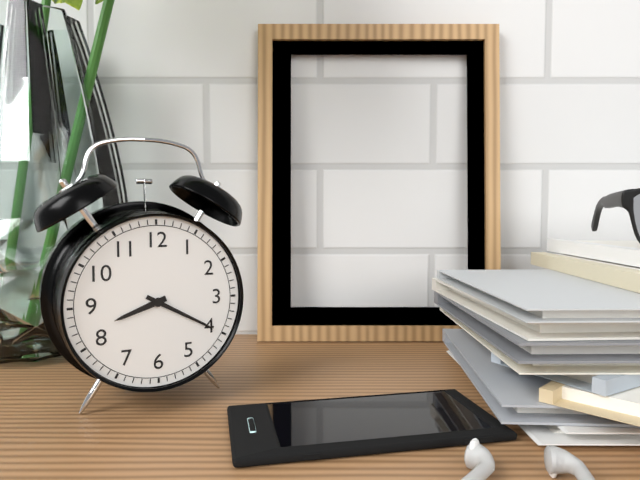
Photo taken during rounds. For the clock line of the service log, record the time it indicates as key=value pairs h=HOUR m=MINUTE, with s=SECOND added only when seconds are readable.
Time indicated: h=8 m=20
